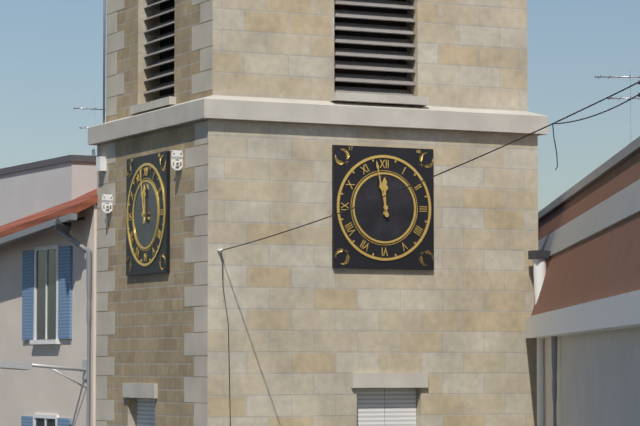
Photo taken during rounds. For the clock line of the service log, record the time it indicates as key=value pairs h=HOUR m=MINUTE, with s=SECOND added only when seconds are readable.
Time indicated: h=11 m=58
